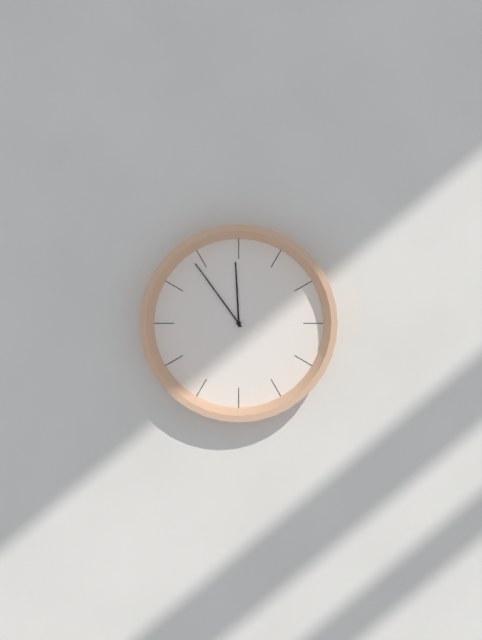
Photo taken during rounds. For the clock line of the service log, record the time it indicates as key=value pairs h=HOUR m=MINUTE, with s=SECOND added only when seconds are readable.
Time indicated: h=11 m=54
